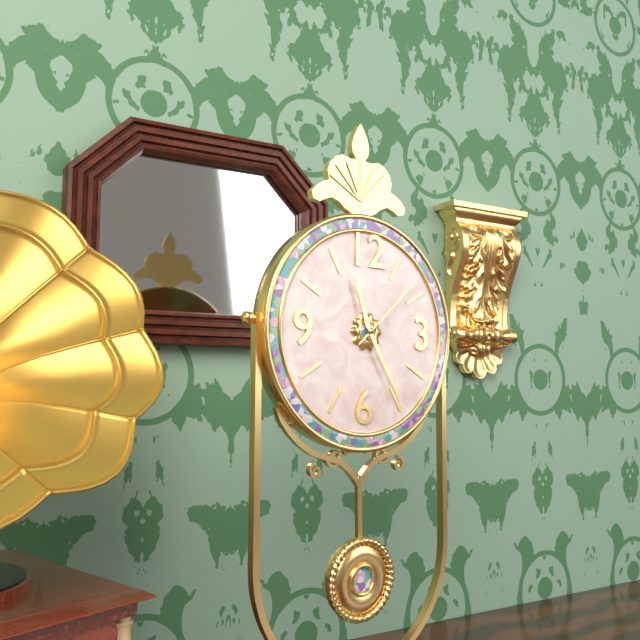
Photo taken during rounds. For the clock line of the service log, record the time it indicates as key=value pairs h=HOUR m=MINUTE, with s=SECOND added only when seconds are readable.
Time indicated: h=11 m=25 s=8
